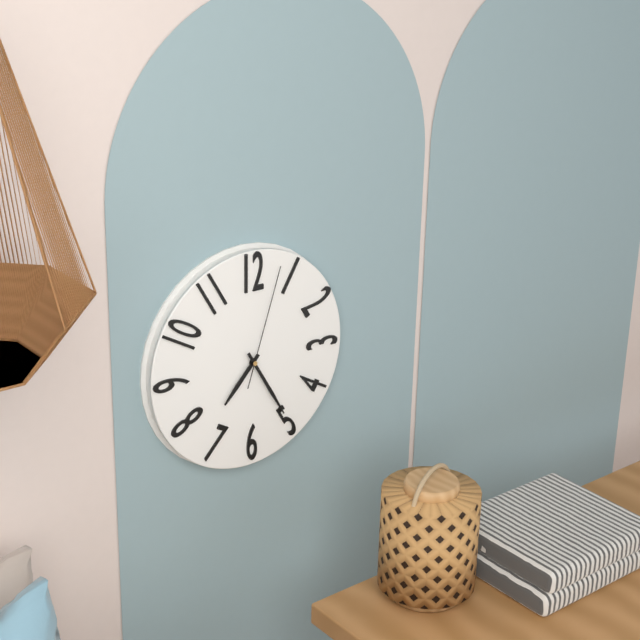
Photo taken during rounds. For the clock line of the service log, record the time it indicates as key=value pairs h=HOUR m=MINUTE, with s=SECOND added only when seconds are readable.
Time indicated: h=7 m=25 s=3
